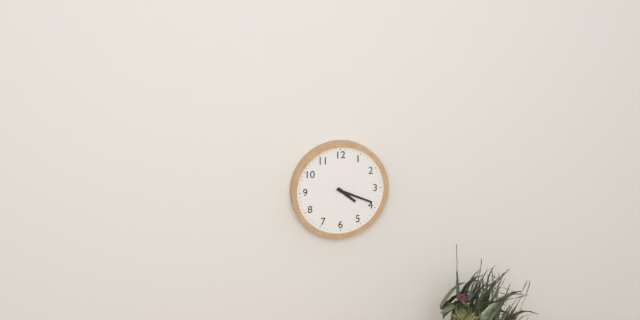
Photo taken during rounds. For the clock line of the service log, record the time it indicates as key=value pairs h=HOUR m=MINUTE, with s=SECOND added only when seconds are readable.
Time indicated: h=4 m=19
